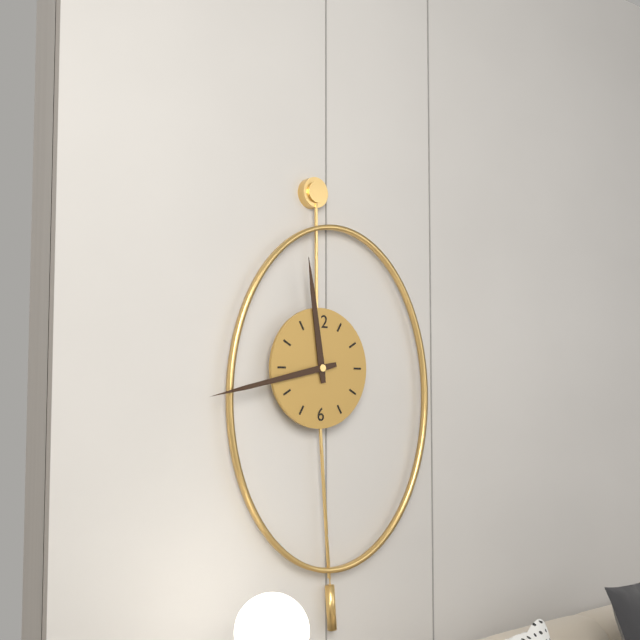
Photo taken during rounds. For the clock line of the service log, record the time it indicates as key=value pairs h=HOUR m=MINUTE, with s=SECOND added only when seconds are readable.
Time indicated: h=11 m=43
